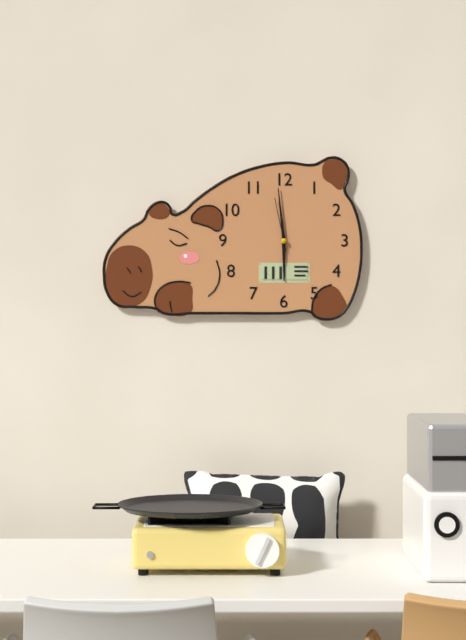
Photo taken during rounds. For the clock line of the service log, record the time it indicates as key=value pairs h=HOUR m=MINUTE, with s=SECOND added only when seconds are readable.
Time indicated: h=5 m=59 s=58
